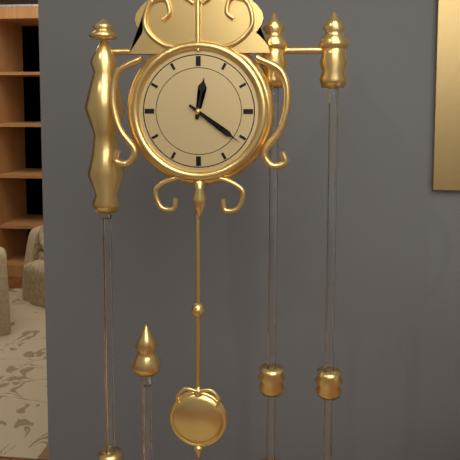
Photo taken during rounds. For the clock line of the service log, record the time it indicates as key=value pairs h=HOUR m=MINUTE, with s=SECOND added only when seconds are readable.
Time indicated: h=12 m=21
